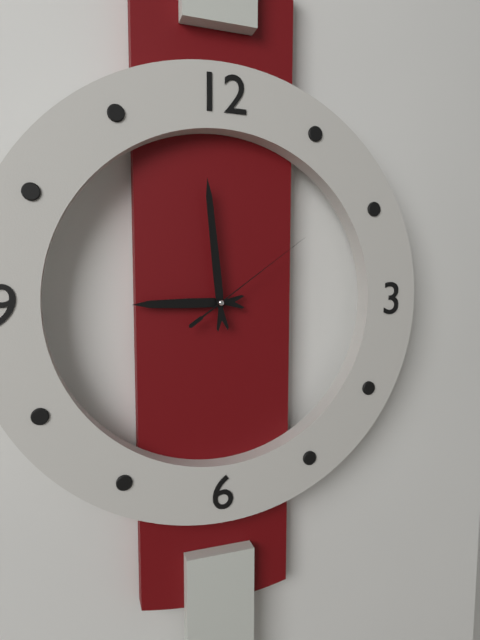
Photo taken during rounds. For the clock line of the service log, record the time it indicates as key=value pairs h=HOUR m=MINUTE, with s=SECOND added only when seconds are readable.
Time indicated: h=8 m=59 s=9
